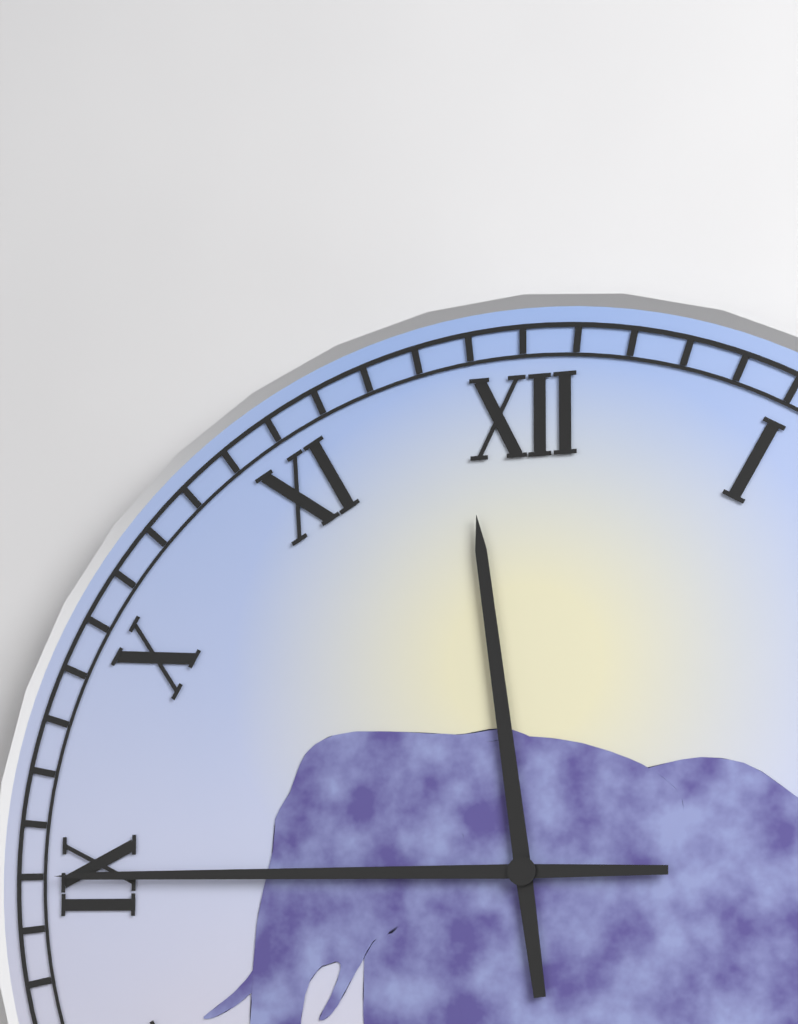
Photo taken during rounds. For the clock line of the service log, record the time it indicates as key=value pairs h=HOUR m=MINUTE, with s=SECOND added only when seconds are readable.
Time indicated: h=11 m=45
